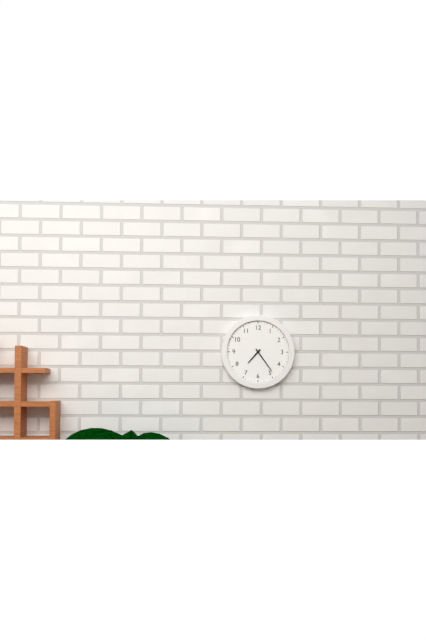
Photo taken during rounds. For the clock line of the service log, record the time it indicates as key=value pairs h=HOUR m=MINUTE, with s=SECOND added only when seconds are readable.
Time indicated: h=7 m=24
